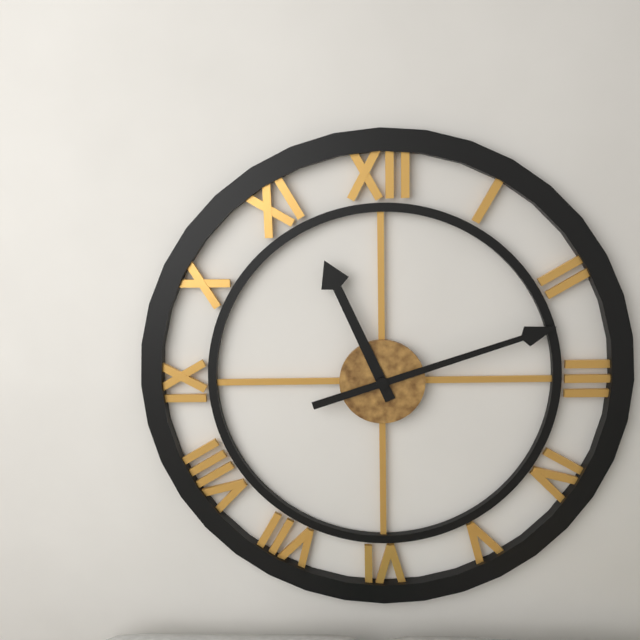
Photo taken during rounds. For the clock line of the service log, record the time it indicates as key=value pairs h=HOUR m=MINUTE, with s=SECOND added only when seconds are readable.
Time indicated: h=11 m=12
